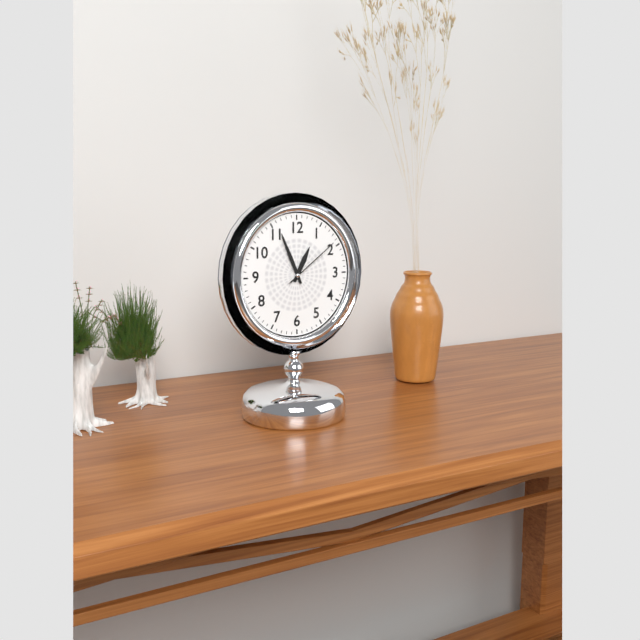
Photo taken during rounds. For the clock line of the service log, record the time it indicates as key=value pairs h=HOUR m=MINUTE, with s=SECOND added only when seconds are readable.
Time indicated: h=12 m=56 s=9
